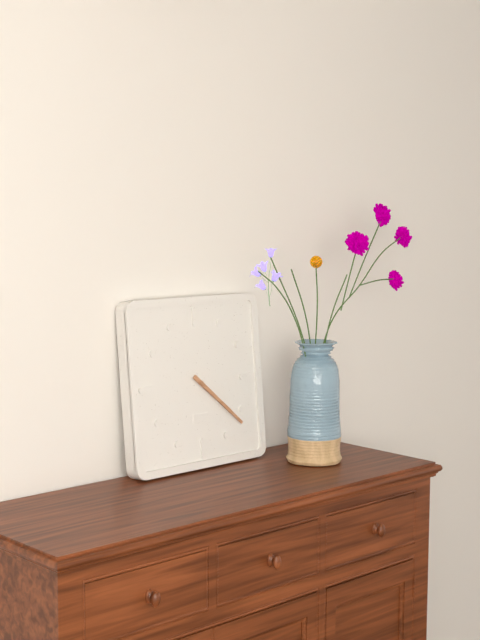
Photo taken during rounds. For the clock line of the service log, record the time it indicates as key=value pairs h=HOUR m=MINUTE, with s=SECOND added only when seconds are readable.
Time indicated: h=4 m=22
